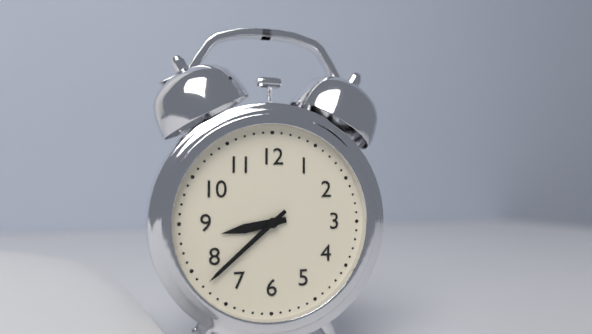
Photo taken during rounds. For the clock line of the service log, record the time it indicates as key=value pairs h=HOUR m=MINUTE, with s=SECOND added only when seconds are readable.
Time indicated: h=8 m=38
